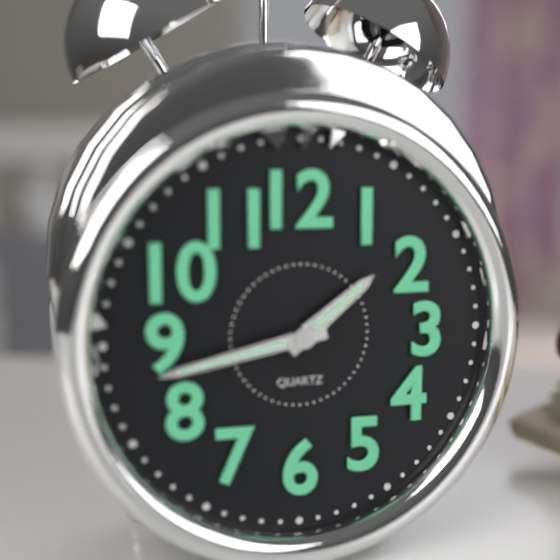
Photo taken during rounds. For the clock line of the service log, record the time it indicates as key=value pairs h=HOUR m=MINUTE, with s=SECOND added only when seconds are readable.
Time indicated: h=1 m=43
